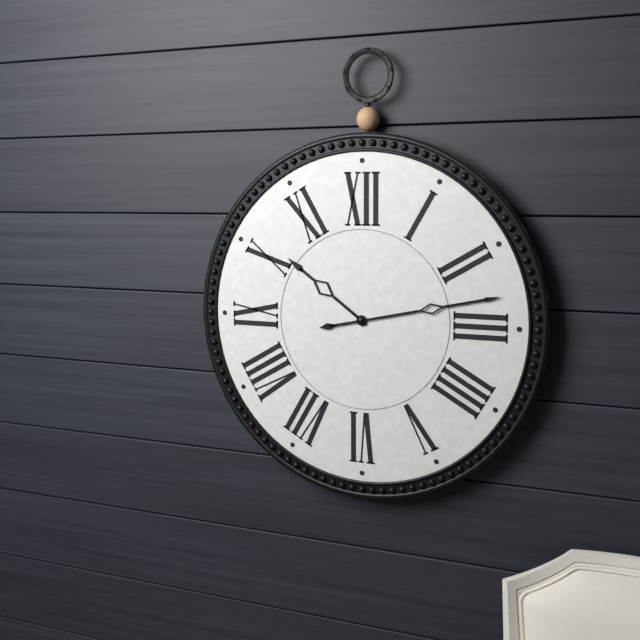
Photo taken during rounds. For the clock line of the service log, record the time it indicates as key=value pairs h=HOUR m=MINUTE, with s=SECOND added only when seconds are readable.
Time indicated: h=10 m=13
